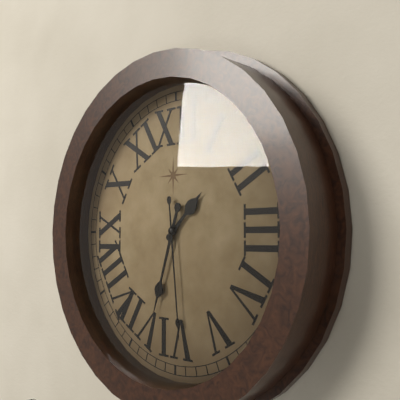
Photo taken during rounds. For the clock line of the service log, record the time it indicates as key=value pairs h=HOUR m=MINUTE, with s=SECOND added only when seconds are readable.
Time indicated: h=1 m=33 s=29
